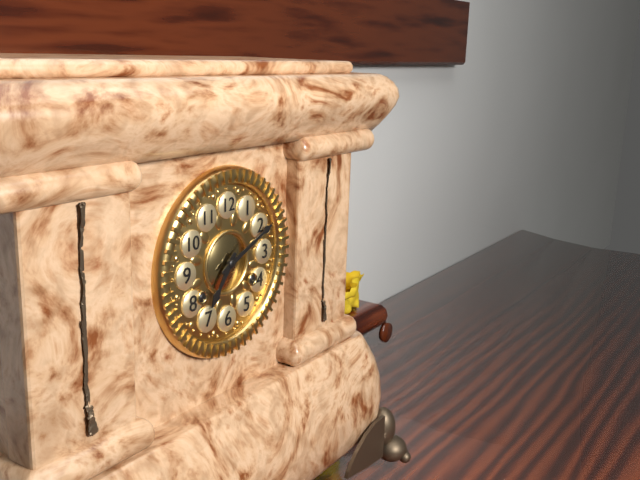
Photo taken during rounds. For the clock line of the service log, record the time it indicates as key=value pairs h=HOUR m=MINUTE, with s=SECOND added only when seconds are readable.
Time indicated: h=7 m=11
